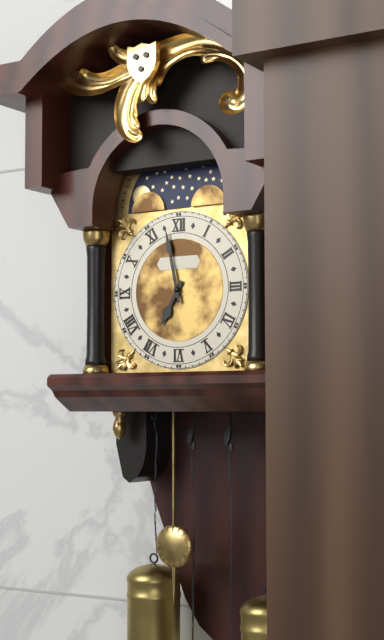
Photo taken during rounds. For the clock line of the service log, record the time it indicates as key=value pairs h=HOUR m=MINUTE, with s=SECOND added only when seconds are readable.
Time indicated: h=6 m=58
